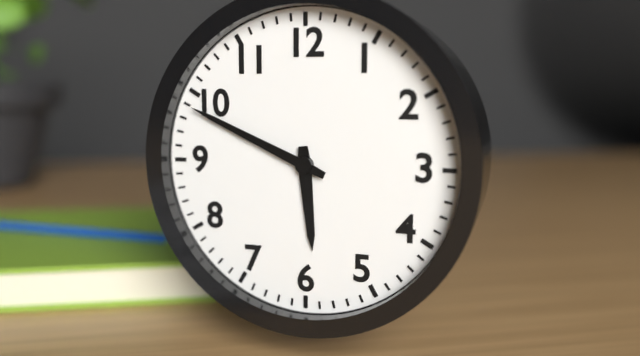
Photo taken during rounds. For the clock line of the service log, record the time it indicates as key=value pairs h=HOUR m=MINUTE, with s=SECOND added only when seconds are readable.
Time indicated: h=5 m=49
